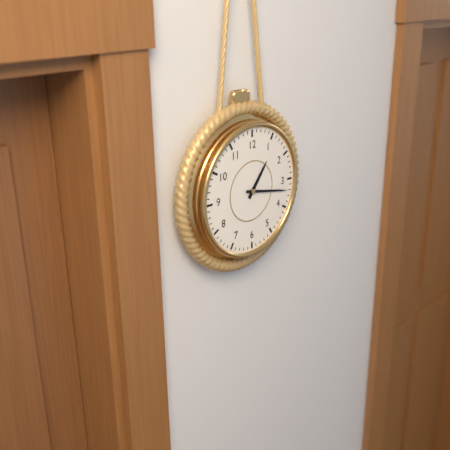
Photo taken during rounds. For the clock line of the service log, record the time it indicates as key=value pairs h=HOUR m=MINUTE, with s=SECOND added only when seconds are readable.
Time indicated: h=1 m=17
